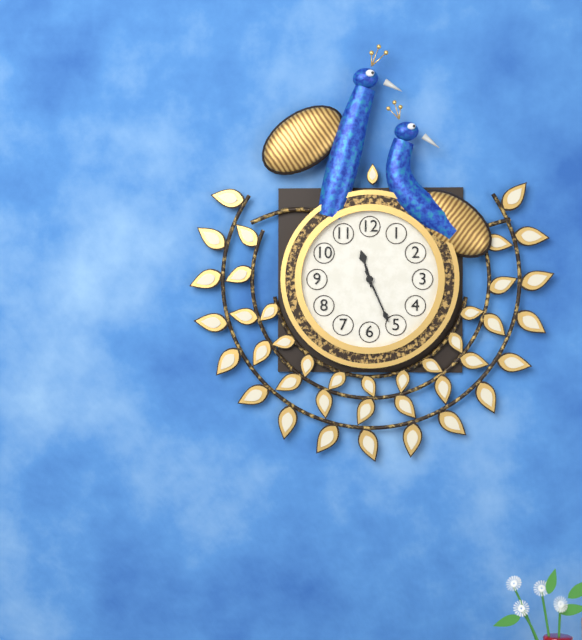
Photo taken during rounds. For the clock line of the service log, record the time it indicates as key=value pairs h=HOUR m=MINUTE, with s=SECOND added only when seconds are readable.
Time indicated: h=11 m=26
